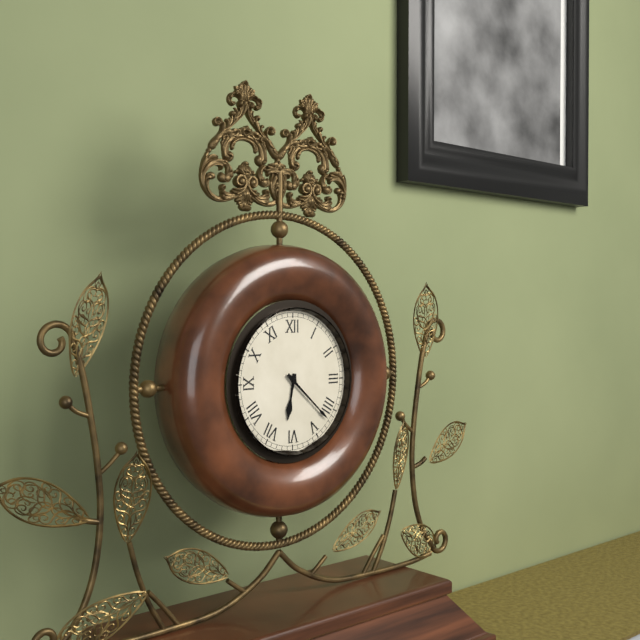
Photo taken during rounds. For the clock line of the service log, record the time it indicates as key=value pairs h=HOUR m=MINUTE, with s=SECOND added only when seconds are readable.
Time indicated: h=6 m=22
